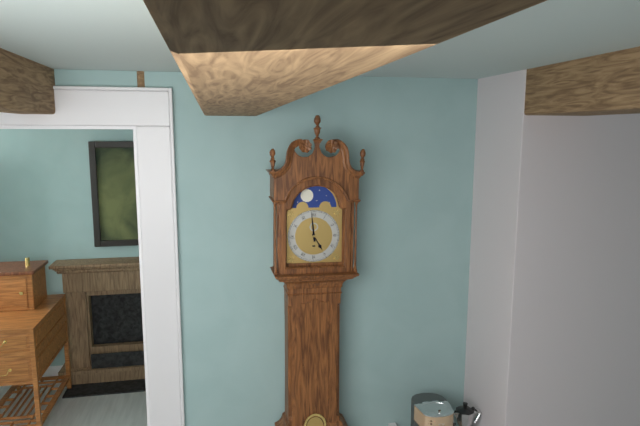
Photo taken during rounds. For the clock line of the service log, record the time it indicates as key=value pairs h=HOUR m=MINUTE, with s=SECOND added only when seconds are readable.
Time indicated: h=4 m=59
